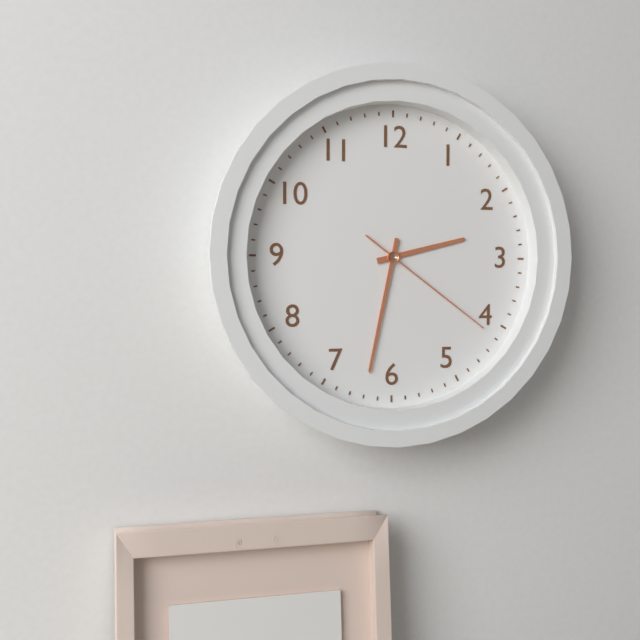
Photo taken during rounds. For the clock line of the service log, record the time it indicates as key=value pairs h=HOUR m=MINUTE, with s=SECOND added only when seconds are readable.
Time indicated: h=2 m=32 s=21
